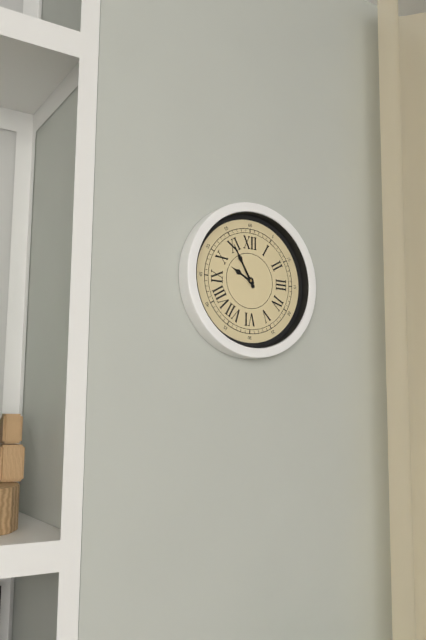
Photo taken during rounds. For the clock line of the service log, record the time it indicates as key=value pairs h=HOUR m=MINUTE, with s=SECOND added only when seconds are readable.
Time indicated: h=9 m=55
